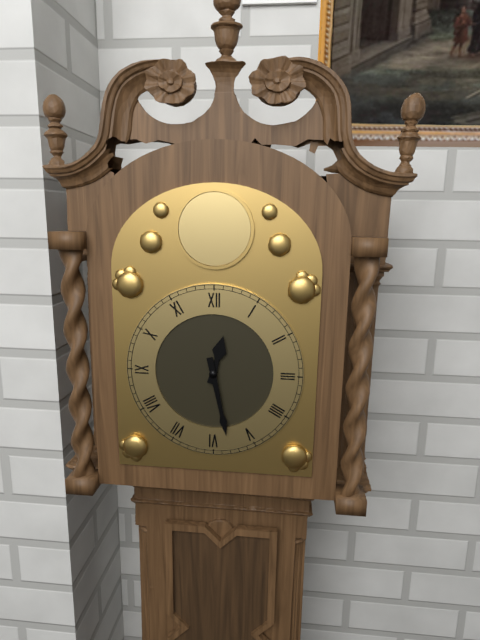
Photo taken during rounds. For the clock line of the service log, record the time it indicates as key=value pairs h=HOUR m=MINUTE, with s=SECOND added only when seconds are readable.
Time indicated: h=12 m=28
